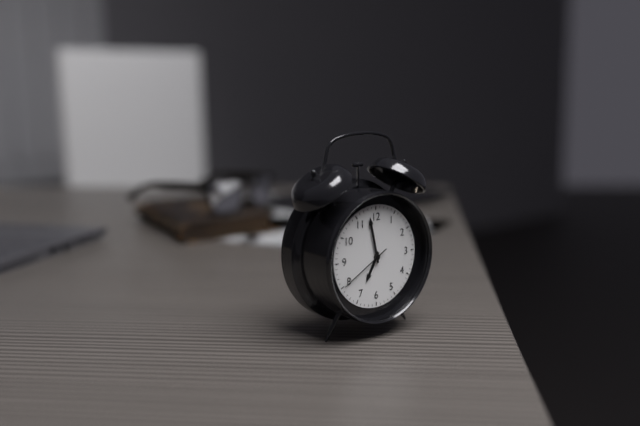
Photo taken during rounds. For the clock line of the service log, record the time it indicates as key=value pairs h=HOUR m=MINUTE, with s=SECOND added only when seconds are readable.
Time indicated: h=6 m=58 s=40
